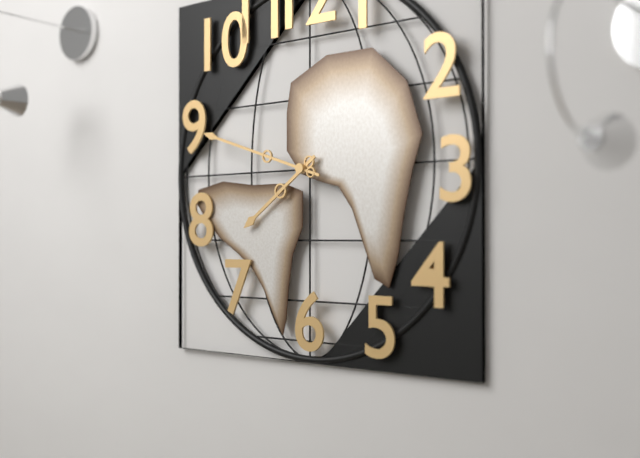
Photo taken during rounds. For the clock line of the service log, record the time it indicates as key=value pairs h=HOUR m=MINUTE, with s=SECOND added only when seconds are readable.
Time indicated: h=7 m=48
